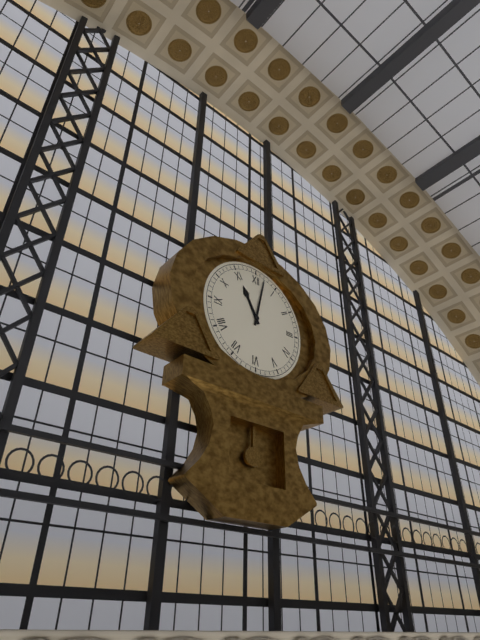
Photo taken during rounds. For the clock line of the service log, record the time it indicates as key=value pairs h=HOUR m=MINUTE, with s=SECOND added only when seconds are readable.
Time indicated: h=11 m=2
